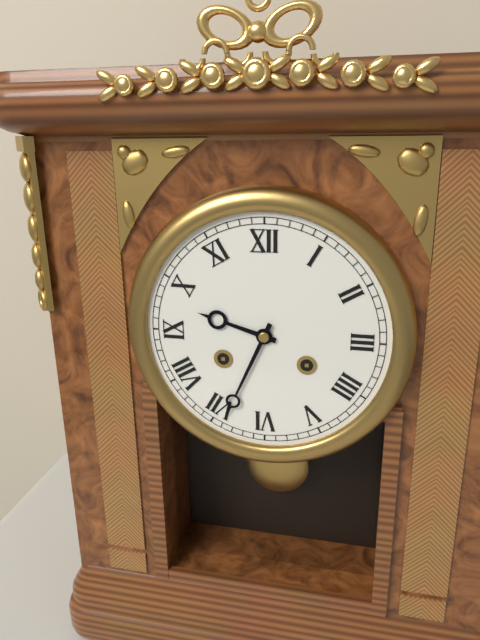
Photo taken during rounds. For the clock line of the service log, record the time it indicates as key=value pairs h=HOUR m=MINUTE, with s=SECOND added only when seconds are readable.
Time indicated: h=9 m=34
